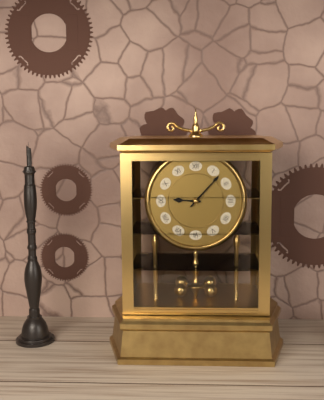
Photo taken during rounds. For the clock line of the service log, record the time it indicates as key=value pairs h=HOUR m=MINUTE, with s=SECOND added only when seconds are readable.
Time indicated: h=9 m=7
